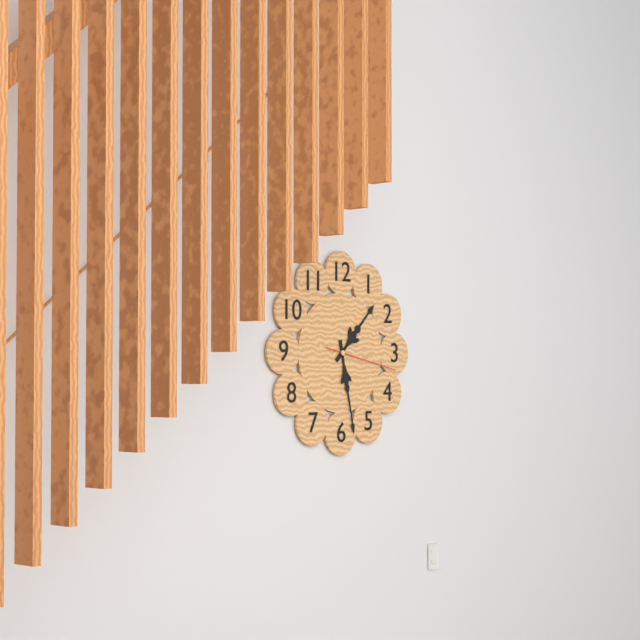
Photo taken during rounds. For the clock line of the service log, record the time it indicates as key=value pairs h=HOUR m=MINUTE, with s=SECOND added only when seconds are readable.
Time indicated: h=1 m=28 s=17
